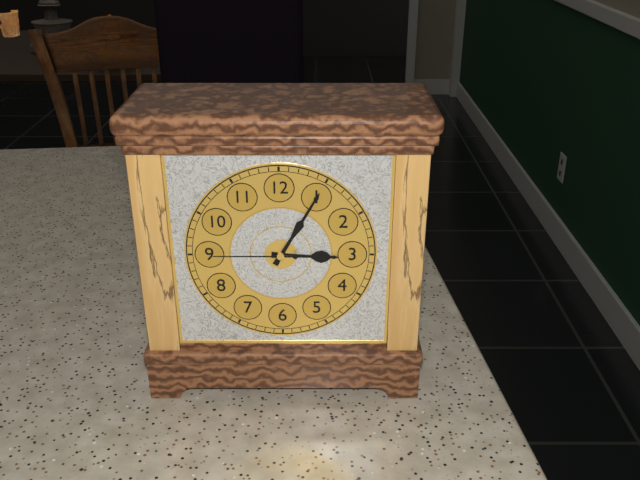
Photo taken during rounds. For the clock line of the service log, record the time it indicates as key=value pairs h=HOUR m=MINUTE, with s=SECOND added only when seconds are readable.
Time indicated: h=3 m=5 s=45
